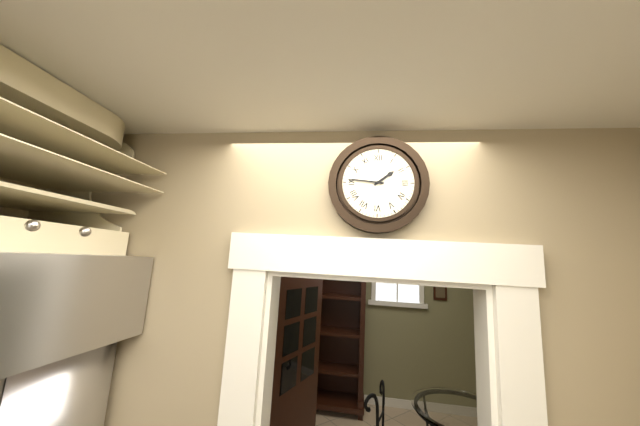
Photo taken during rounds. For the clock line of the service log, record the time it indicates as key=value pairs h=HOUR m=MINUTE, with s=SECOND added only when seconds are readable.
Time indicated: h=1 m=46
